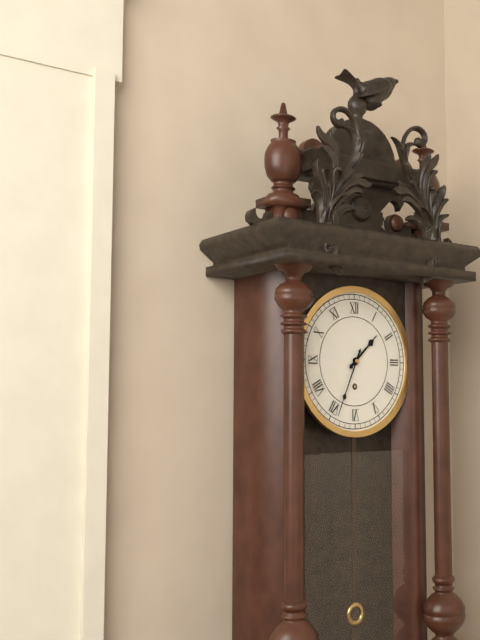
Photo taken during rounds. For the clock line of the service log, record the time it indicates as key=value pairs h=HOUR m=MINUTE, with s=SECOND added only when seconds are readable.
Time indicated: h=1 m=34
